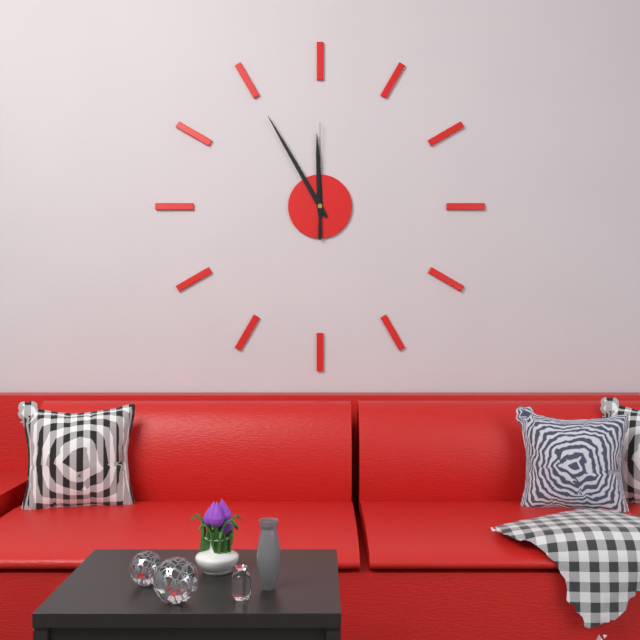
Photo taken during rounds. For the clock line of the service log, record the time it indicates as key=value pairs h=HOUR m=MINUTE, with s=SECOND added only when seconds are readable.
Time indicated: h=11 m=55 s=0
